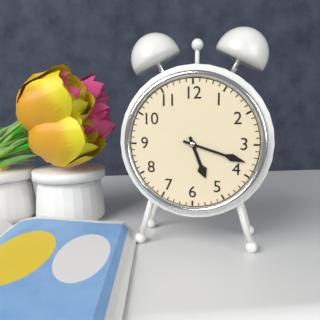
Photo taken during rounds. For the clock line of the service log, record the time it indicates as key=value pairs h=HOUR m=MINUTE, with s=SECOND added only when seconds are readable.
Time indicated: h=5 m=18
